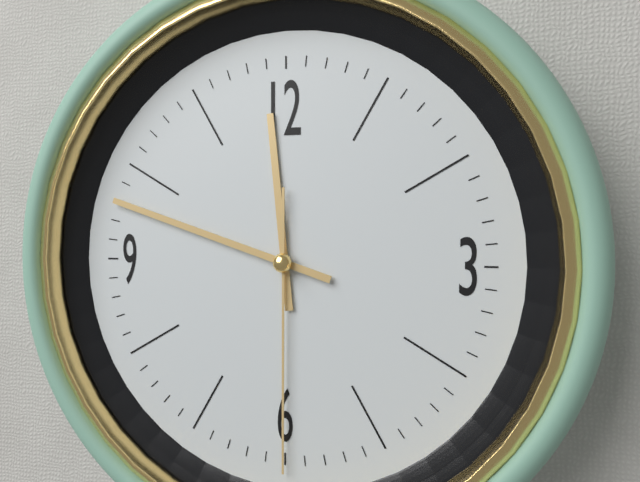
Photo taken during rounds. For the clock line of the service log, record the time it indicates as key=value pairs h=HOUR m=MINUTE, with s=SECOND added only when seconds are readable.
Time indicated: h=11 m=48 s=30
